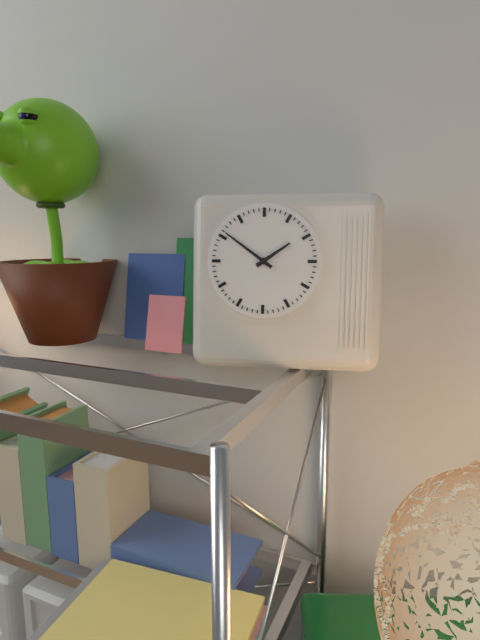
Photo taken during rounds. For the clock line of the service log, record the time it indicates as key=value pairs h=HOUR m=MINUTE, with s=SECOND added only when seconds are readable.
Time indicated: h=1 m=51
